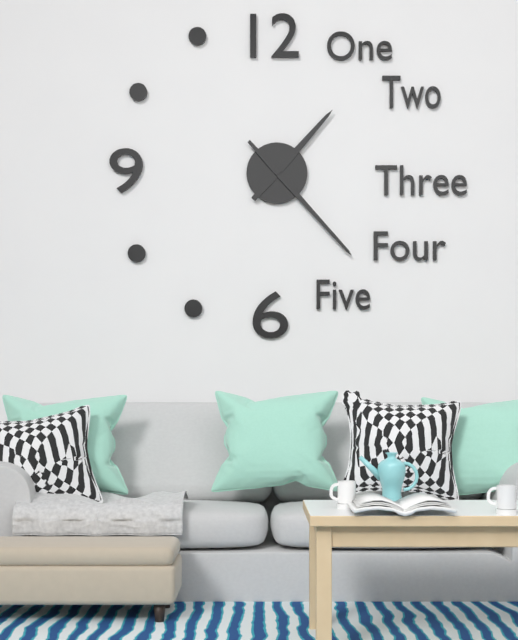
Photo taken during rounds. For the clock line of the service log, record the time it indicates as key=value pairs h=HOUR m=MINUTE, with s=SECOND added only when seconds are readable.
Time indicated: h=1 m=23
